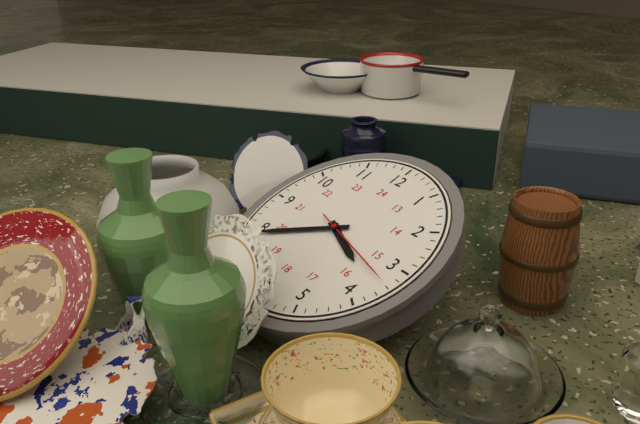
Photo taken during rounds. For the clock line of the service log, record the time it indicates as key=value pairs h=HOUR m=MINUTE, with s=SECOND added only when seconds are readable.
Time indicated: h=3 m=39 s=17
